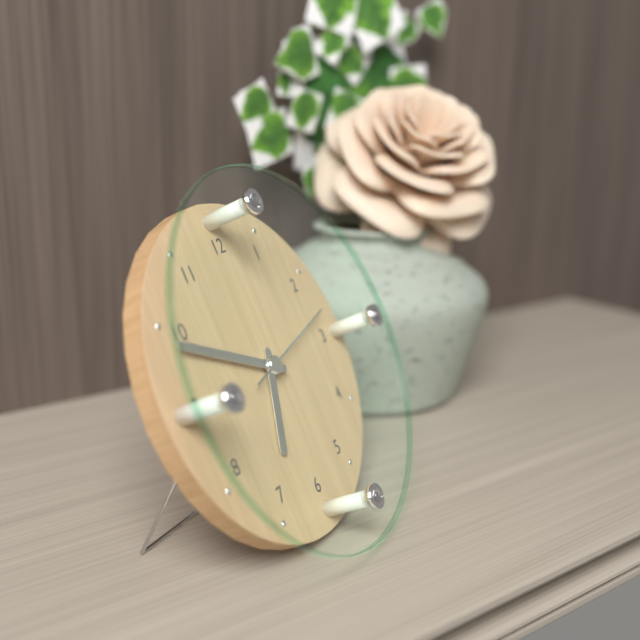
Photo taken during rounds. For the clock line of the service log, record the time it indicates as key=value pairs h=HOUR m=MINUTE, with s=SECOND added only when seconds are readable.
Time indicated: h=6 m=49 s=13
